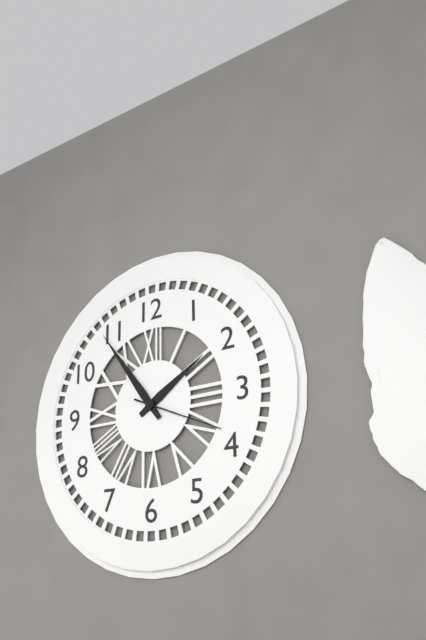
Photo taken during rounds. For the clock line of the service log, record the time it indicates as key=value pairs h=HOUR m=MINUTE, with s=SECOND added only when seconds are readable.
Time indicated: h=1 m=54 s=19
